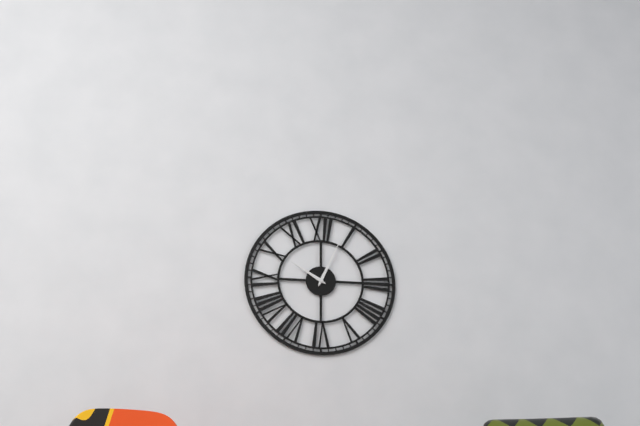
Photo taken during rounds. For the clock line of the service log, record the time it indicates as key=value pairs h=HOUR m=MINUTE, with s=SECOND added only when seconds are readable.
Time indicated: h=10 m=4
